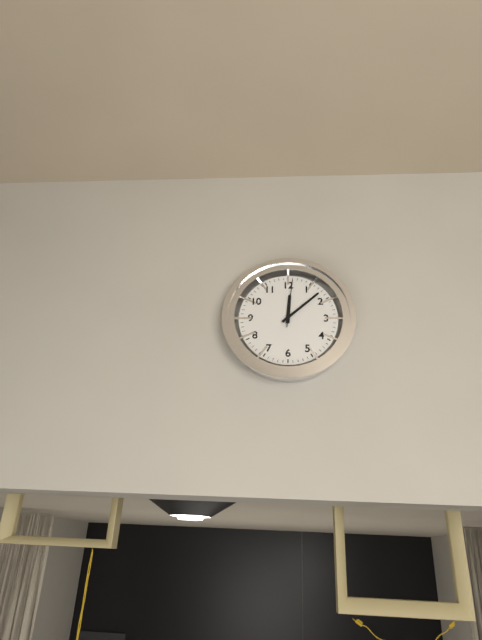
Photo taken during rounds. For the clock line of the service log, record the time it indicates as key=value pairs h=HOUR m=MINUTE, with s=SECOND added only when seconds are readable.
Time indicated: h=12 m=8
